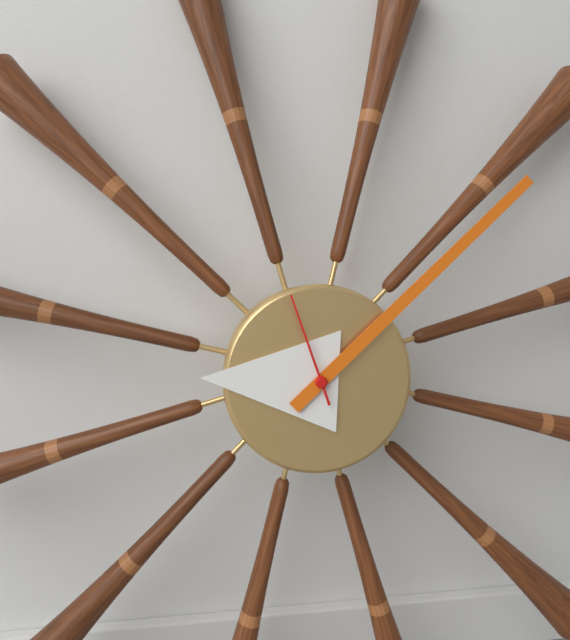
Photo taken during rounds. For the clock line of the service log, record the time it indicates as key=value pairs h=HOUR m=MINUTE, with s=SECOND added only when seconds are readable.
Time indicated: h=9 m=8 s=57
